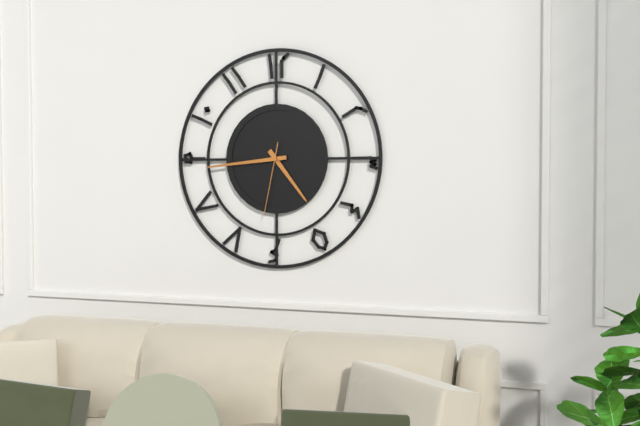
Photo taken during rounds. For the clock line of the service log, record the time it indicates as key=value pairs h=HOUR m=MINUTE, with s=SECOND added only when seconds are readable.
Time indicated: h=4 m=44 s=32
